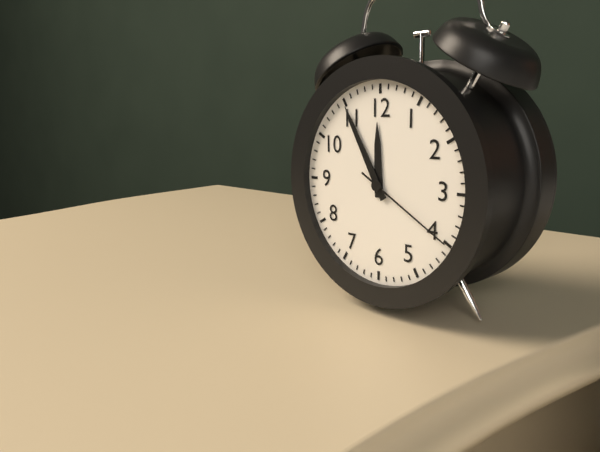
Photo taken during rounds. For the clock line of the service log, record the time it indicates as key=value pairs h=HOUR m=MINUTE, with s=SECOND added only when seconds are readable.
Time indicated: h=11 m=55 s=20
